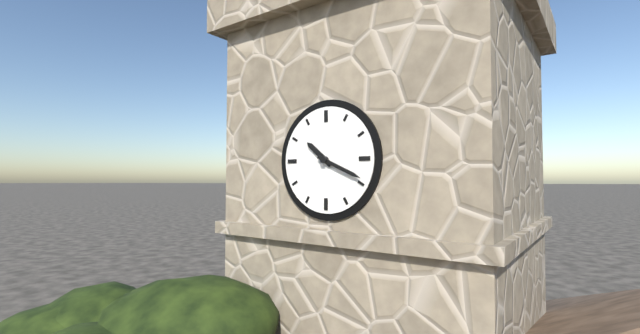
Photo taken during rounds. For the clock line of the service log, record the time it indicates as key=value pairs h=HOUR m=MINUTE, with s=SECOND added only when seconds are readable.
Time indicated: h=10 m=19
